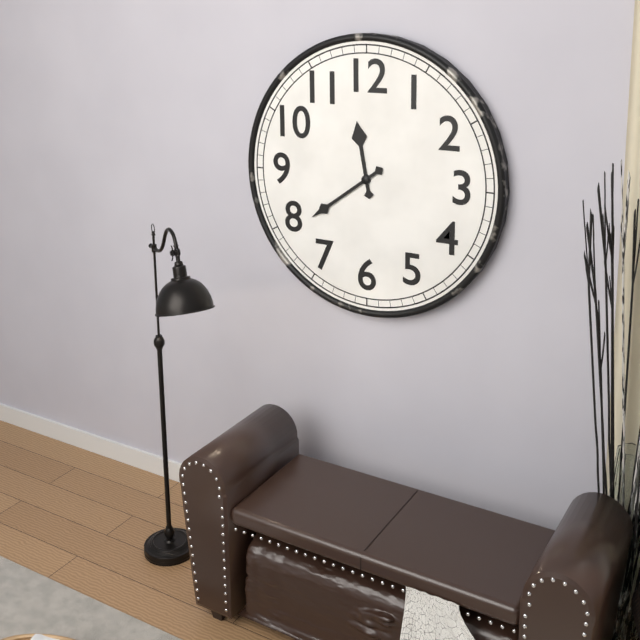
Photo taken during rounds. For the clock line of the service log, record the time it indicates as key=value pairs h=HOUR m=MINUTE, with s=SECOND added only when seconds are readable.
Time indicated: h=11 m=39
